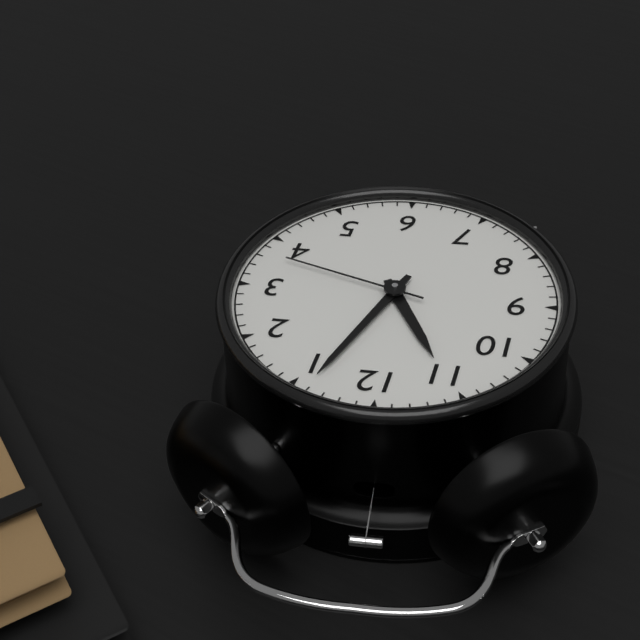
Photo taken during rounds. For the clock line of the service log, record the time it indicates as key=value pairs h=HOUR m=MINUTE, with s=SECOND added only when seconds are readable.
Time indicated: h=11 m=4 s=18
